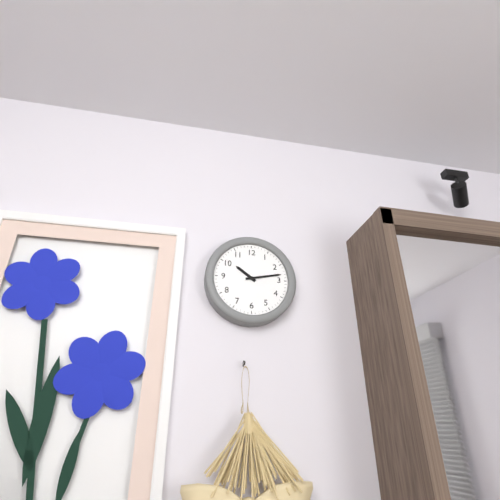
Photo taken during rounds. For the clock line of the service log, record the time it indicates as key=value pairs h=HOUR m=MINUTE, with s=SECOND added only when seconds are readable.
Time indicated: h=10 m=13
